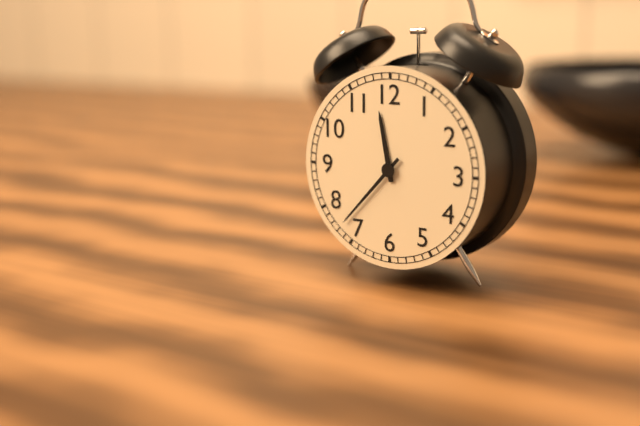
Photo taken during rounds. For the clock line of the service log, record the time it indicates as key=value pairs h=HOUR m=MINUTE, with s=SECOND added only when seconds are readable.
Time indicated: h=11 m=37
